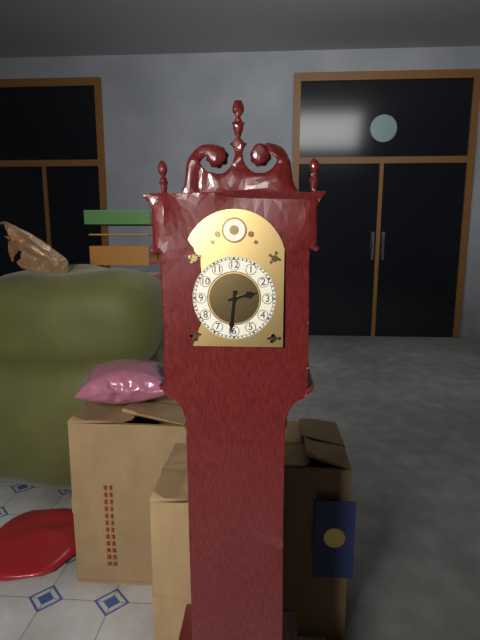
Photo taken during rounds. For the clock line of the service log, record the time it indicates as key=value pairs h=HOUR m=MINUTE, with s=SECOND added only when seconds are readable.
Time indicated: h=2 m=31
